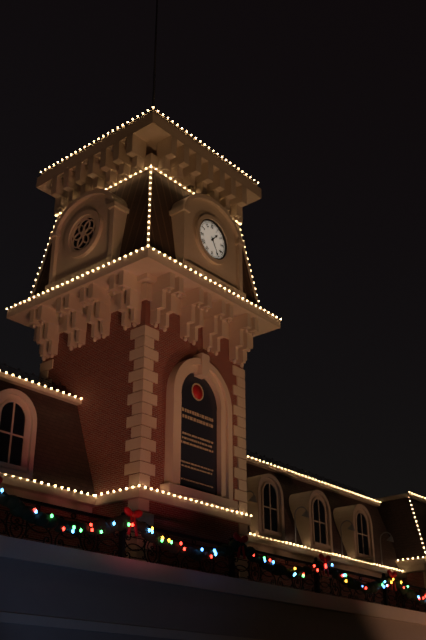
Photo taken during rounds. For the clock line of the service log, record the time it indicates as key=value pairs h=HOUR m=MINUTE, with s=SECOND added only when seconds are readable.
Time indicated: h=1 m=25
